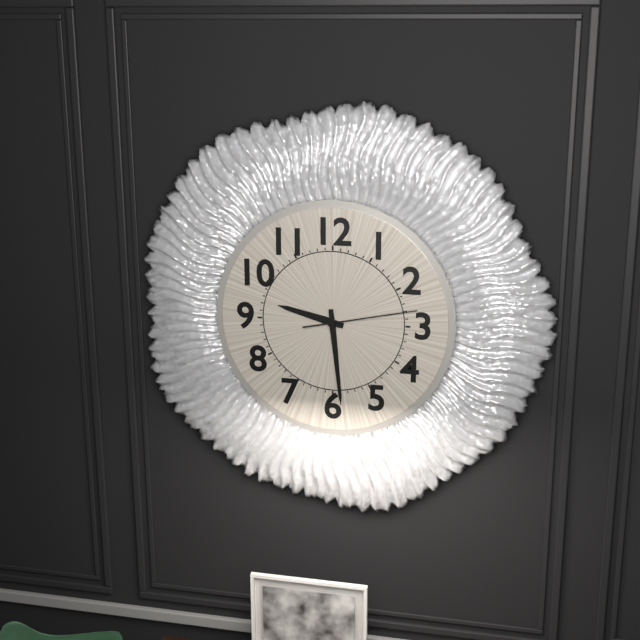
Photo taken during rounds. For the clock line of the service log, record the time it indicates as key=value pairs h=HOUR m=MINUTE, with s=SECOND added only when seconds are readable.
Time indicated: h=9 m=29 s=13
